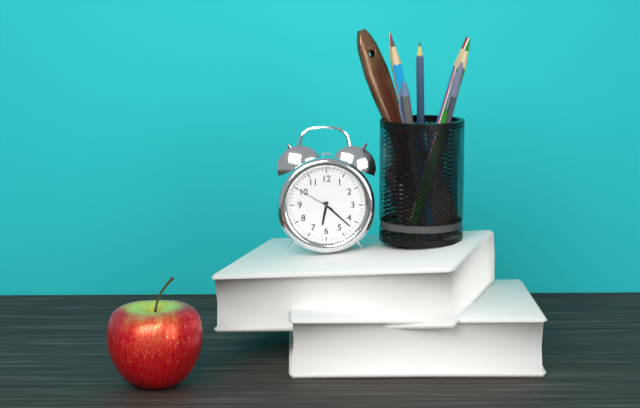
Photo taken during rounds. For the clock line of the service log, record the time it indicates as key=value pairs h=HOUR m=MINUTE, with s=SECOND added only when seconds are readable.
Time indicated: h=6 m=22
